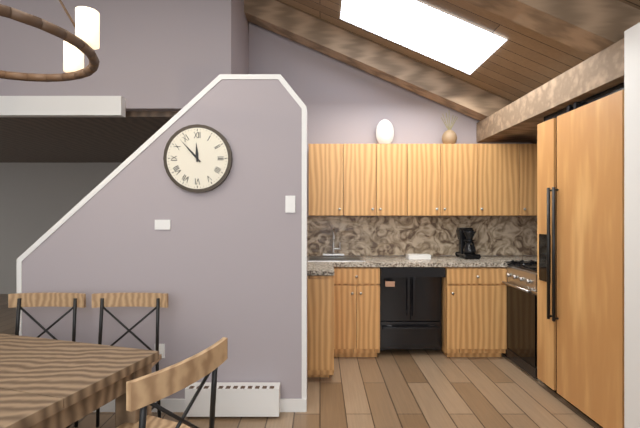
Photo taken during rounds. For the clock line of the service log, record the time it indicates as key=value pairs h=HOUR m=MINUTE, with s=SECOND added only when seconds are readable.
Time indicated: h=11 m=53
